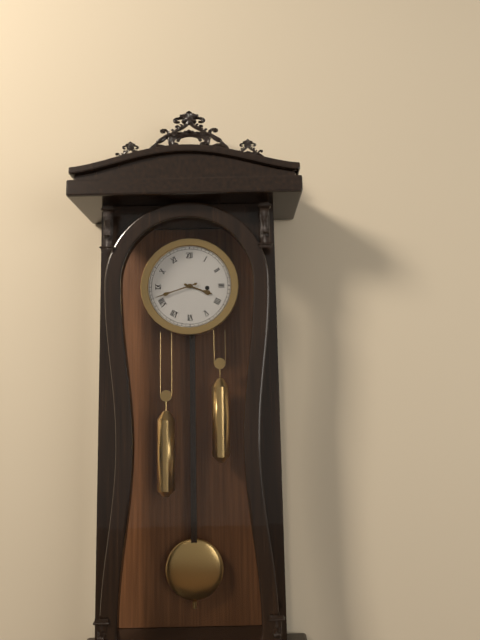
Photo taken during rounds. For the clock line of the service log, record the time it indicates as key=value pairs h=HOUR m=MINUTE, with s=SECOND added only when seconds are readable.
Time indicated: h=3 m=42
